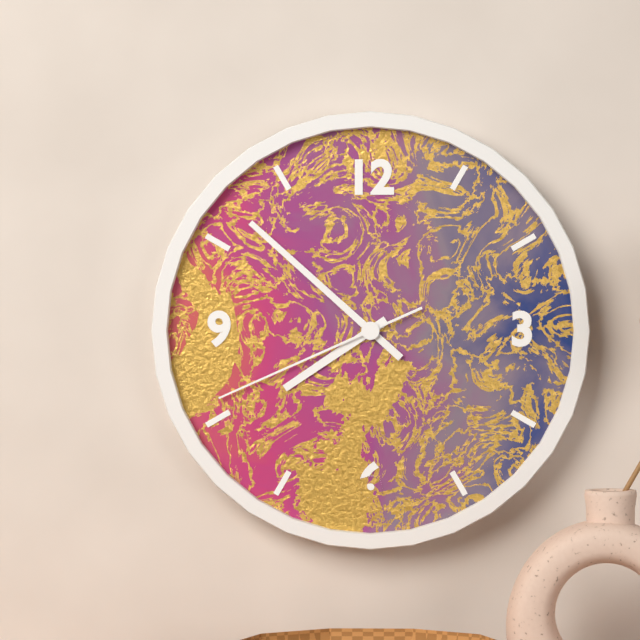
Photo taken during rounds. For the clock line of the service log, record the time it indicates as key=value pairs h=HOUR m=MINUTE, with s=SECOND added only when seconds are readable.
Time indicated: h=7 m=52 s=41
